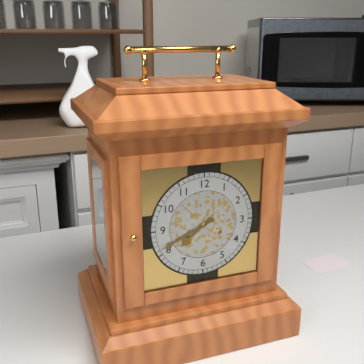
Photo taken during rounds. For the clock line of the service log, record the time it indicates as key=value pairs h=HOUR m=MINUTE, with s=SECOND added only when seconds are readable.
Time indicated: h=7 m=41
